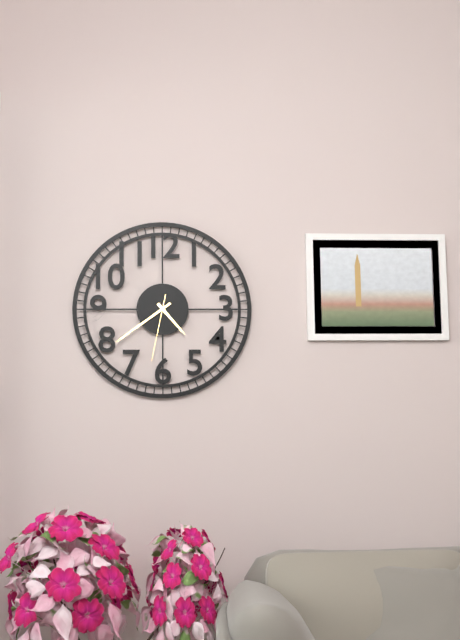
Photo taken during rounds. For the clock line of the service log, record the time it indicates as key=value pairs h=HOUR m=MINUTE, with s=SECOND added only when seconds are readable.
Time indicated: h=4 m=39 s=32
